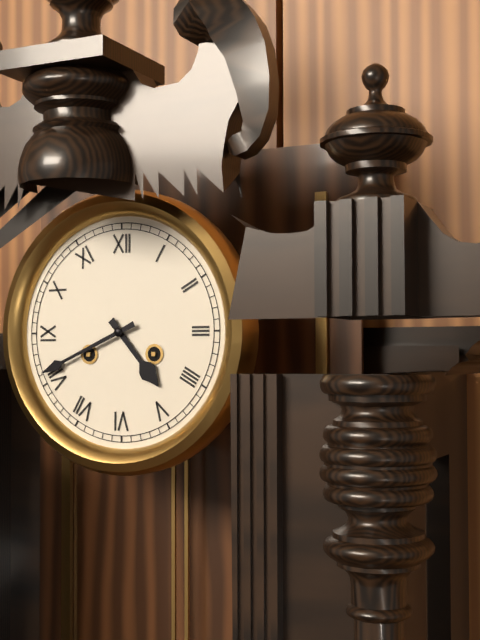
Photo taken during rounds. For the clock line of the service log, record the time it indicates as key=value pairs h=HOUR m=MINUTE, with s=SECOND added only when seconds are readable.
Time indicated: h=4 m=41
